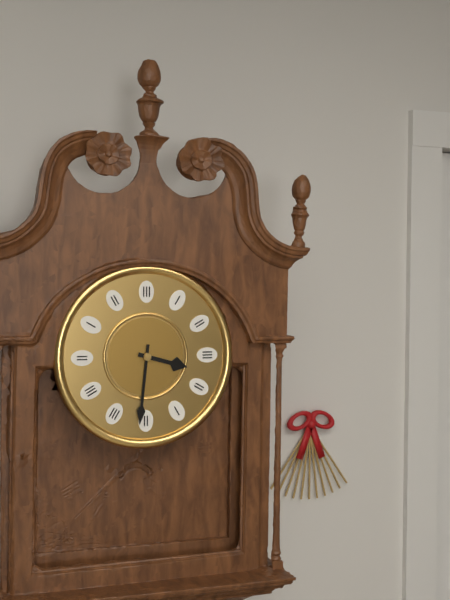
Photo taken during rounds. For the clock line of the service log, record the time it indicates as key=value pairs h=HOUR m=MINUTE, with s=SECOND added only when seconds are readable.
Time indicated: h=3 m=31
